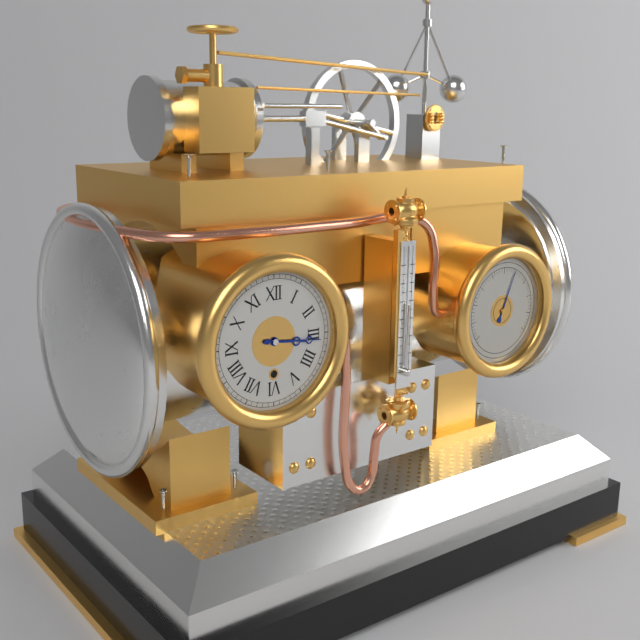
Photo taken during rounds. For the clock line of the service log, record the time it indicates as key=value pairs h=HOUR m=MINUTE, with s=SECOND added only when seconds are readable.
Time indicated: h=3 m=16
